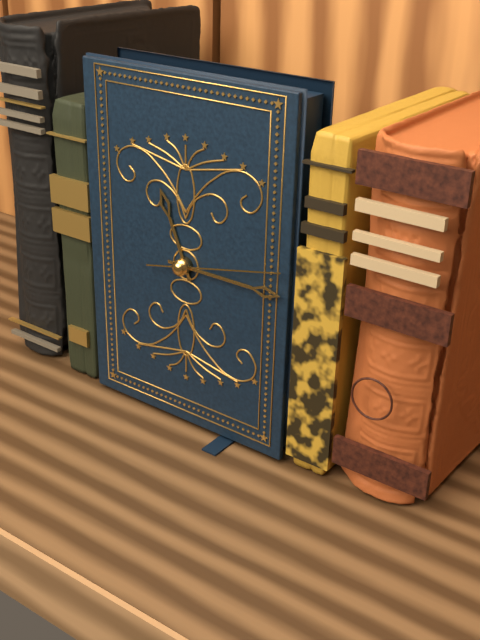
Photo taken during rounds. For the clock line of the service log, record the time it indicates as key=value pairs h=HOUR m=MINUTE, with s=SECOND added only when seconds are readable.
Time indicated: h=11 m=15 s=13
